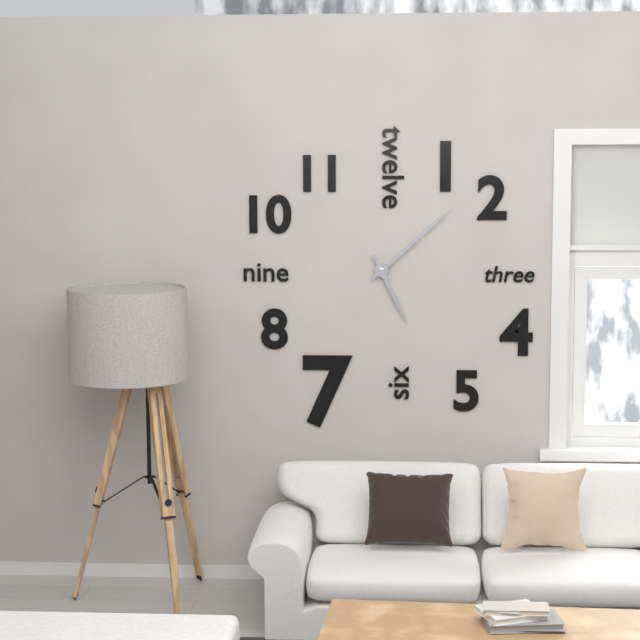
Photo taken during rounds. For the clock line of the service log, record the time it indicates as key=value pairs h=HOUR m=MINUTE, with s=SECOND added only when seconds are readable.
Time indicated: h=5 m=8
